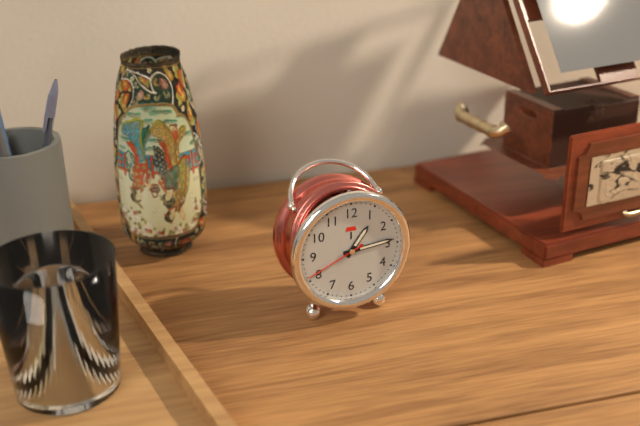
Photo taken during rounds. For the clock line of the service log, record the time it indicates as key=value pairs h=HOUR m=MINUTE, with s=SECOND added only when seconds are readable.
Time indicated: h=1 m=14 s=41
